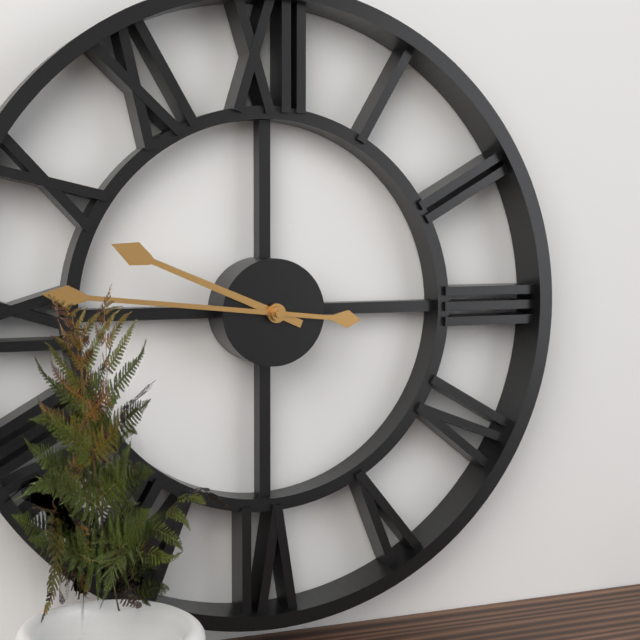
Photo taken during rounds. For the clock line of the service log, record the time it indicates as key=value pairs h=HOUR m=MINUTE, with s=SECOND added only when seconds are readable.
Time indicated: h=9 m=46
